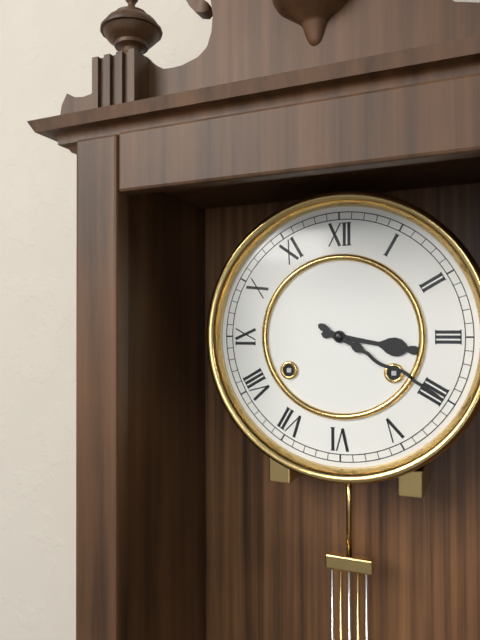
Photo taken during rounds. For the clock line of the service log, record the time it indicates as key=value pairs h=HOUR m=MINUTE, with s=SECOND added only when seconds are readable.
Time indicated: h=3 m=20
